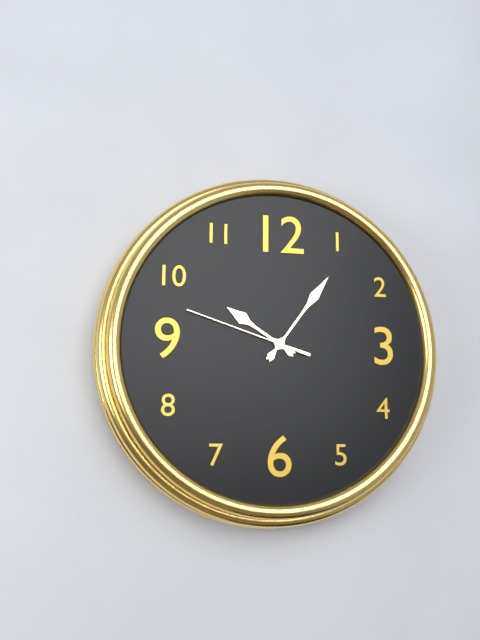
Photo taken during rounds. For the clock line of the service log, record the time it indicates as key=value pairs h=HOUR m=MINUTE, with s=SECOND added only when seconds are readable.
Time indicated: h=10 m=6 s=48
